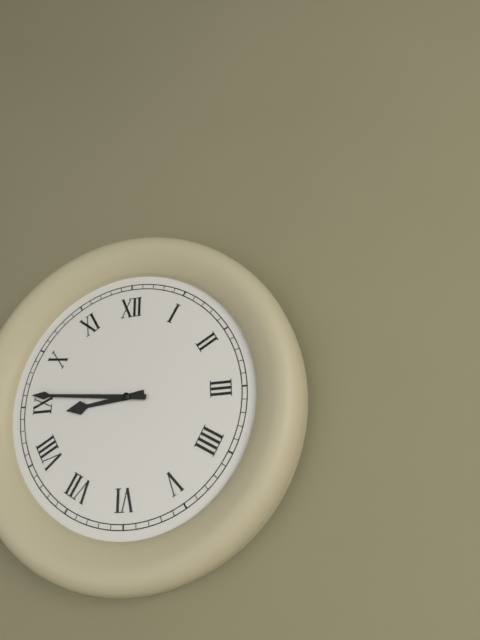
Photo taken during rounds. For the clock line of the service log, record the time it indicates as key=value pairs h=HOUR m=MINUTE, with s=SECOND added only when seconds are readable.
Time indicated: h=8 m=46
